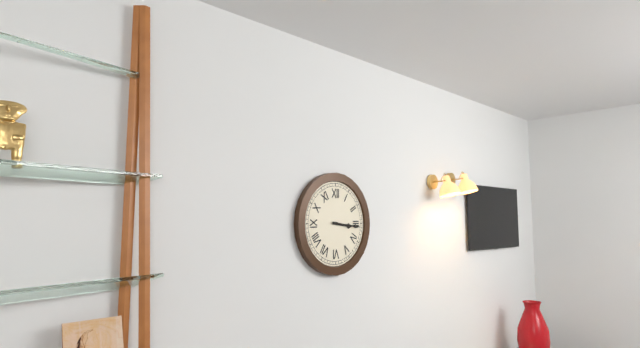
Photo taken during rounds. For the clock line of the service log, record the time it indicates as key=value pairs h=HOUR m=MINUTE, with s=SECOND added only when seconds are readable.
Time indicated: h=3 m=16
